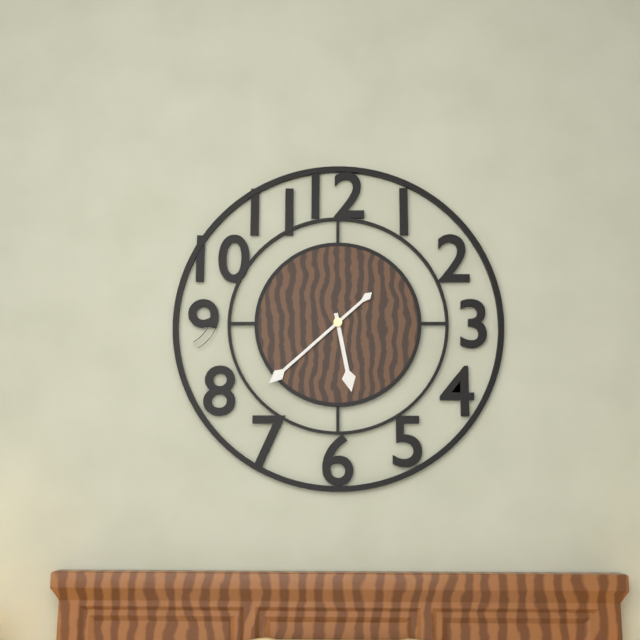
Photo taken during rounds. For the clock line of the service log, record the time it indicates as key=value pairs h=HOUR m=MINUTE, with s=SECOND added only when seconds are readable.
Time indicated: h=5 m=38
